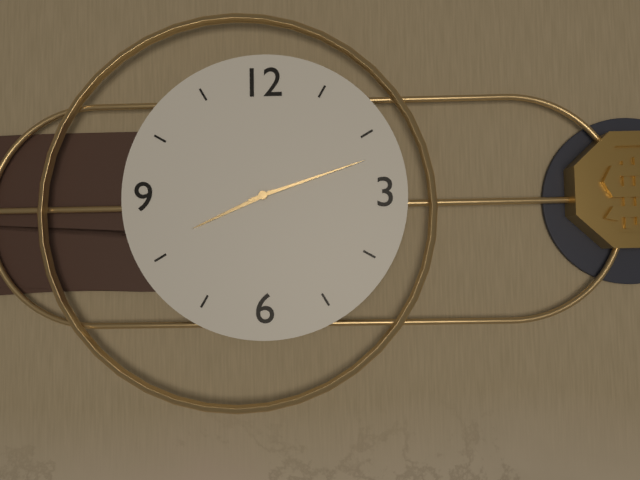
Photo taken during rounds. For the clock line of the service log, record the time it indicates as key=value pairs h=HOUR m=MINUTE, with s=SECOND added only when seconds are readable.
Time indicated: h=8 m=12
